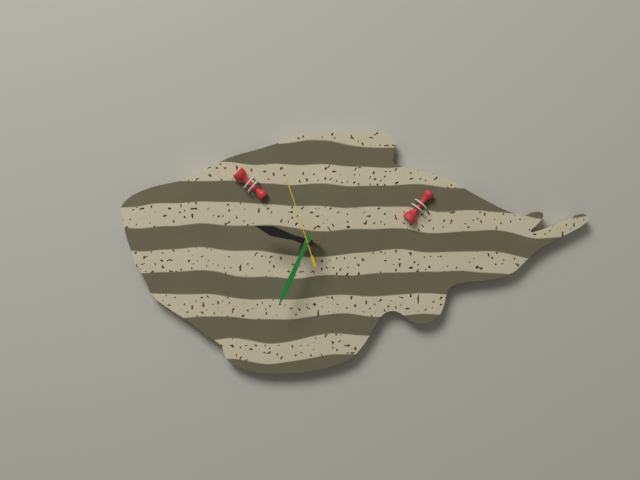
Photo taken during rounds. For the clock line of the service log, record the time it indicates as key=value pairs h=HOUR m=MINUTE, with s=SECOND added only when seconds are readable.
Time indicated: h=9 m=34 s=57
